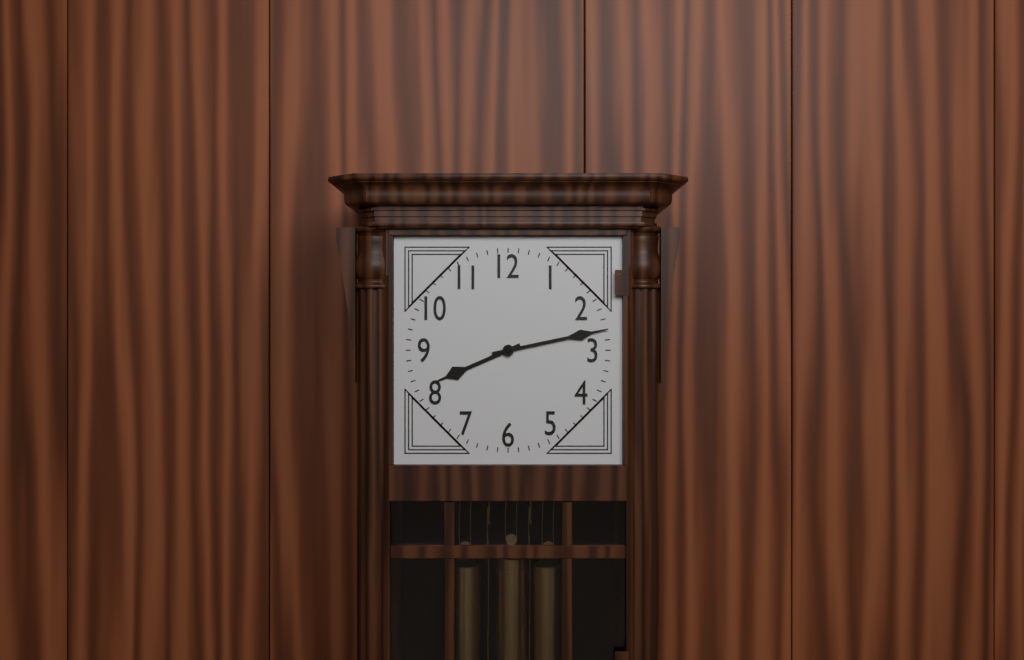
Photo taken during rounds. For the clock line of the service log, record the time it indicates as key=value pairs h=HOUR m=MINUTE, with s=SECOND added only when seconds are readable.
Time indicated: h=8 m=13
